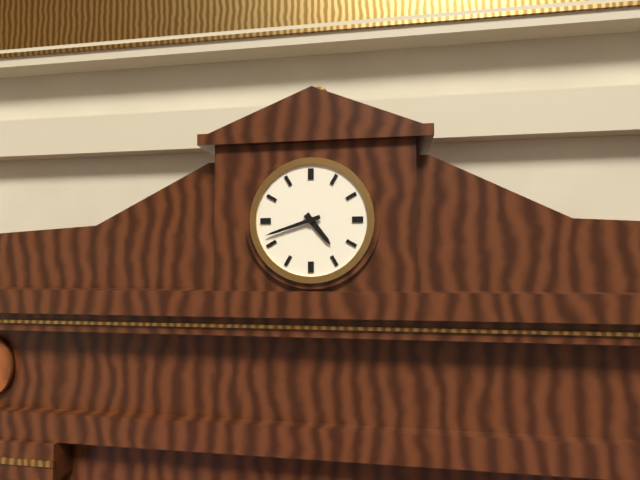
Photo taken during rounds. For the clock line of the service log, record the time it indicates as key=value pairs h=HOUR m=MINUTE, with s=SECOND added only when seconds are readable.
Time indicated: h=4 m=42
